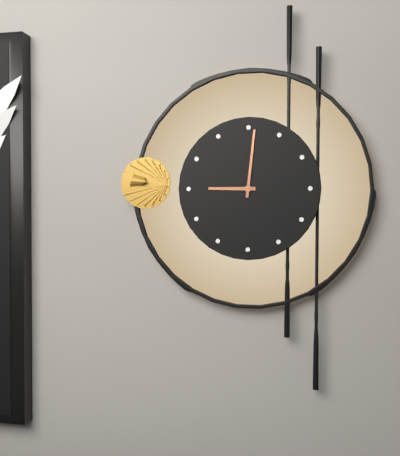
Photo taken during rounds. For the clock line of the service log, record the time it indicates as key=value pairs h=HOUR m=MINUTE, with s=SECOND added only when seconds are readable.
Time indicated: h=9 m=1
